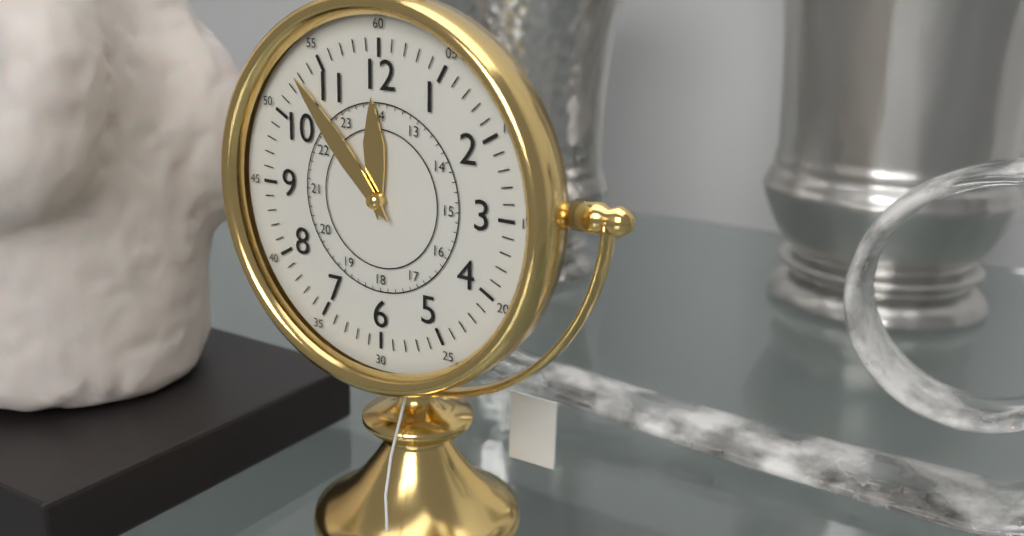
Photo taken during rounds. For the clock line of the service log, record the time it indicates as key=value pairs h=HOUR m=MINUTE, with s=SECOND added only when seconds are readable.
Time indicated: h=11 m=53
